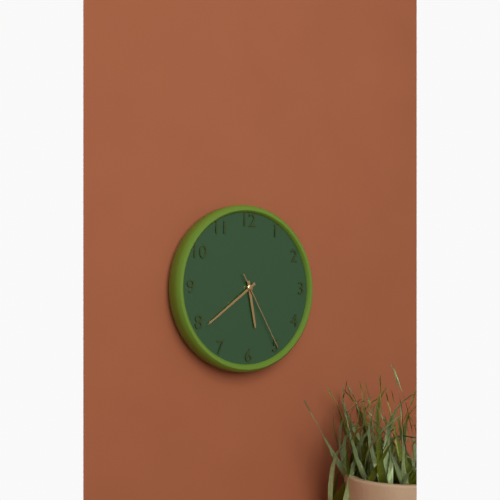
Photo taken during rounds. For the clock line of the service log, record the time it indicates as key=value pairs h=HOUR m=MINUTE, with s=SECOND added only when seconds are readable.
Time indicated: h=5 m=39 s=25
